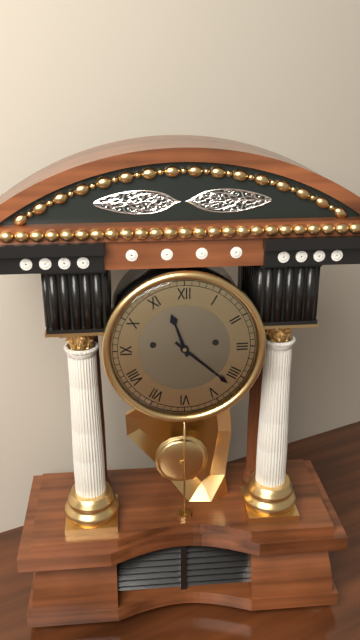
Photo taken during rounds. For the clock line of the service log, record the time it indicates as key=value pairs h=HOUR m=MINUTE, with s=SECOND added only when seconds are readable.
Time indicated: h=11 m=22
